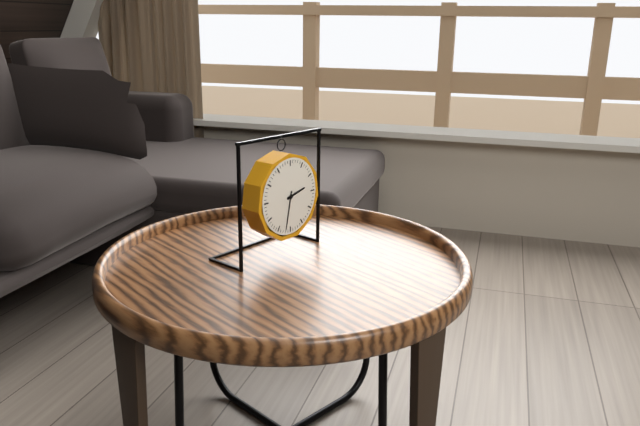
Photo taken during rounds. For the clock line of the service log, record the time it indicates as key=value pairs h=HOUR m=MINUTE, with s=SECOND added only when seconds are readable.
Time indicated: h=2 m=32
